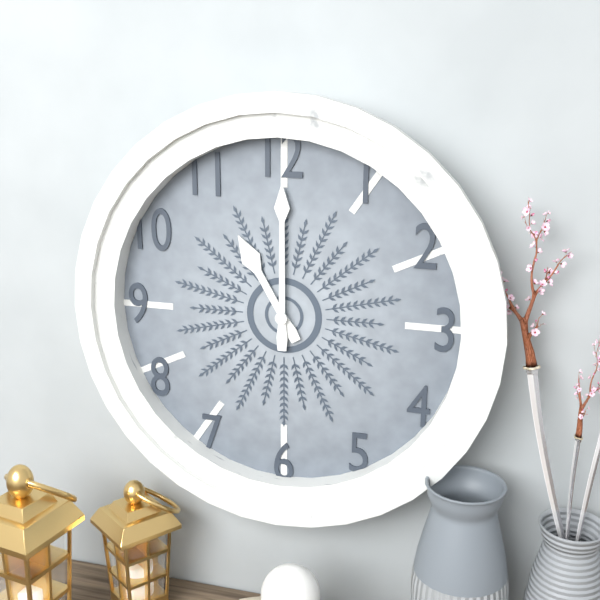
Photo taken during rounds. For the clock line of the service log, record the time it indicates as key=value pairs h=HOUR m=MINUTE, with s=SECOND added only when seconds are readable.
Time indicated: h=11 m=0
